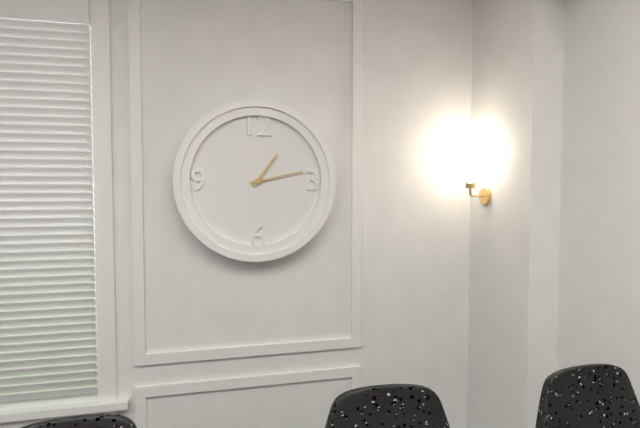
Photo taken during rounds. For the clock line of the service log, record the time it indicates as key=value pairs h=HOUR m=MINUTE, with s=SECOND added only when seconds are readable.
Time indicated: h=1 m=13
